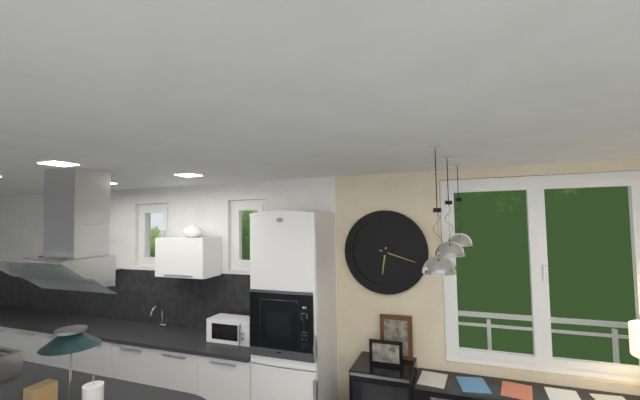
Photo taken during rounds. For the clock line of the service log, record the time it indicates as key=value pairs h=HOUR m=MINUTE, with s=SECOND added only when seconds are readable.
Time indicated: h=6 m=18
